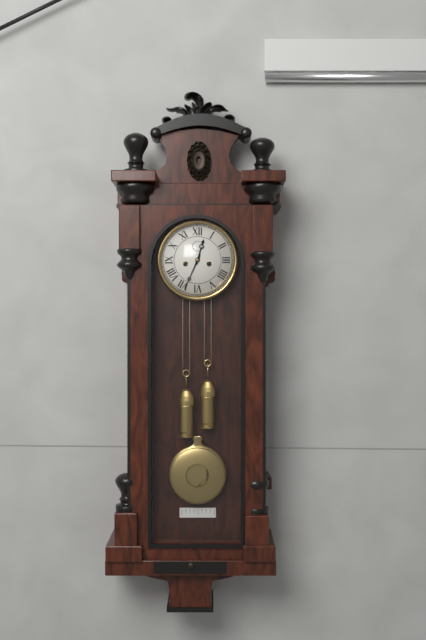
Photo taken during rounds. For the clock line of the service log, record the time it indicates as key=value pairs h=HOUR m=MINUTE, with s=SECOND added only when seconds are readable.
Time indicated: h=12 m=34
